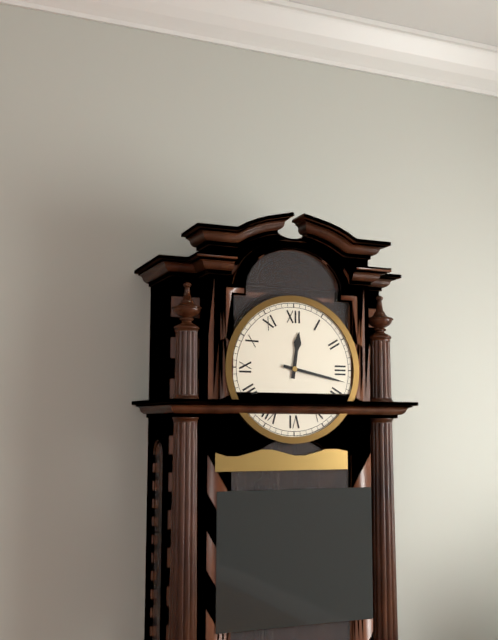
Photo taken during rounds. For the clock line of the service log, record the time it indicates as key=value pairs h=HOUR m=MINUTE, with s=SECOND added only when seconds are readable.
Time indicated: h=12 m=17
